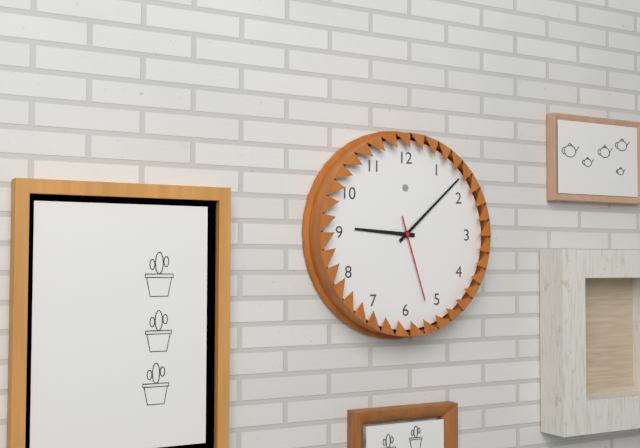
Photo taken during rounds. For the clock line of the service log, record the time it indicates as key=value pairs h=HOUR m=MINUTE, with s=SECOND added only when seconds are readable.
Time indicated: h=9 m=8 s=27
